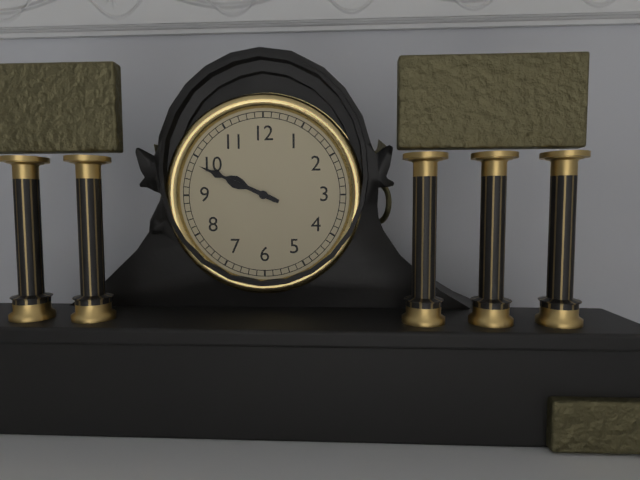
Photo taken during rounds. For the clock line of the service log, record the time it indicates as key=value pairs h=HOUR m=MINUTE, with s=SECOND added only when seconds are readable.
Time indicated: h=9 m=49
